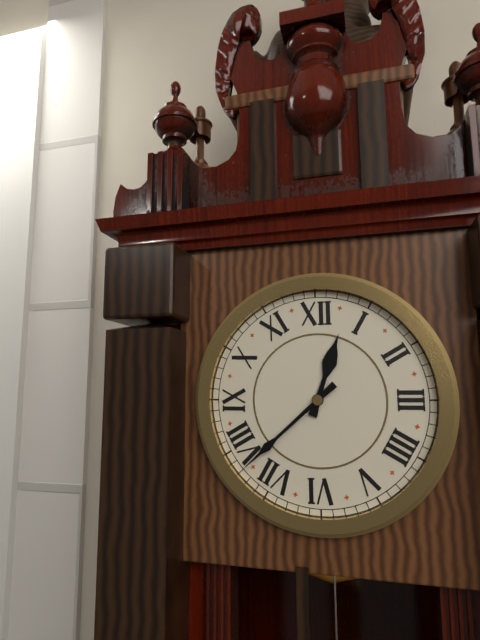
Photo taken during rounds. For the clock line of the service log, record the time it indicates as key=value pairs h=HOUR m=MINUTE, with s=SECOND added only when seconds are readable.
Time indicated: h=12 m=38
